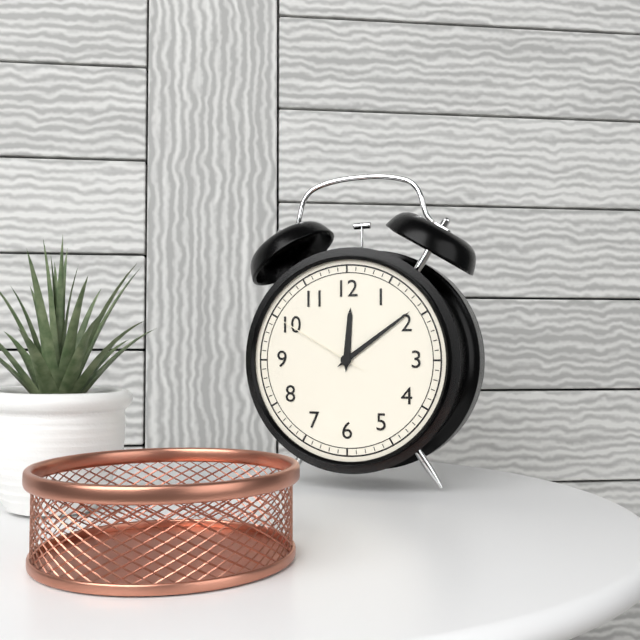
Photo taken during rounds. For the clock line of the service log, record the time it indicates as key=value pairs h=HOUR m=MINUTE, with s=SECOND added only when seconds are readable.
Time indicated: h=12 m=9 s=50
